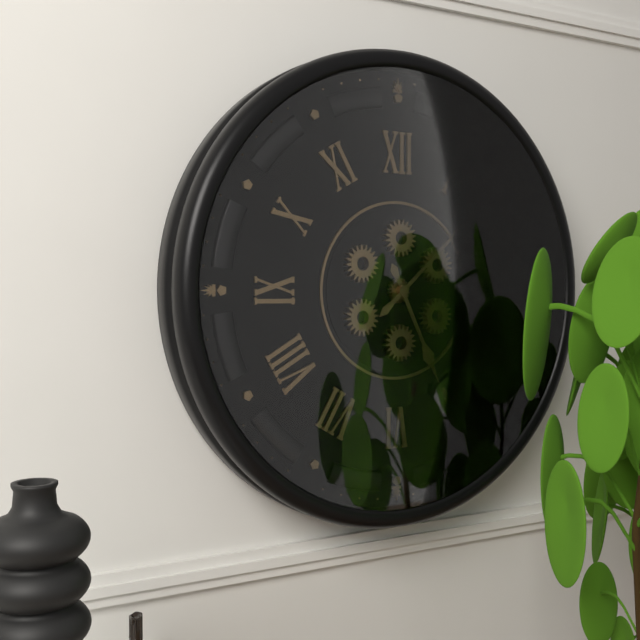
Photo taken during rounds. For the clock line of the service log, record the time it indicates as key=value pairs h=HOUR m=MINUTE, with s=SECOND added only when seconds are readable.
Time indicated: h=5 m=8
